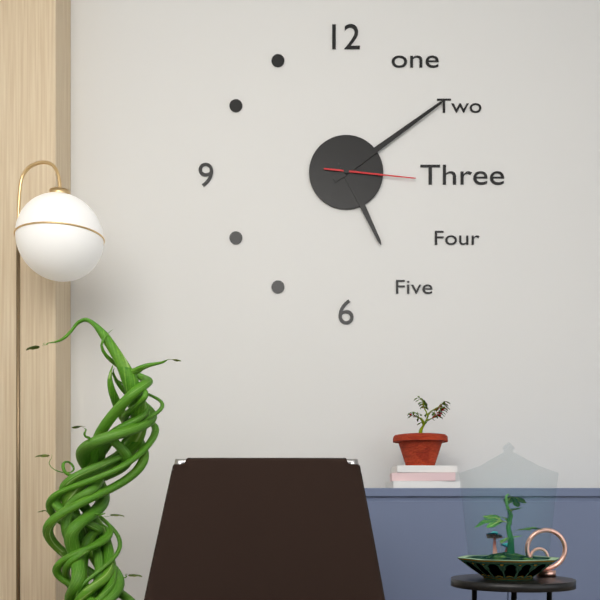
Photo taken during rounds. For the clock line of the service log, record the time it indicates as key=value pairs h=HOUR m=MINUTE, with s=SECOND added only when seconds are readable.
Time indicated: h=5 m=9 s=16
